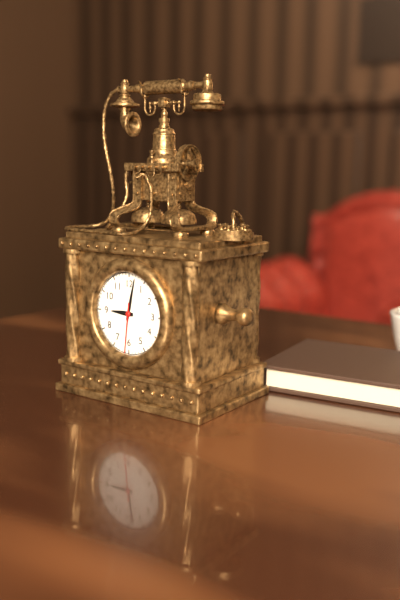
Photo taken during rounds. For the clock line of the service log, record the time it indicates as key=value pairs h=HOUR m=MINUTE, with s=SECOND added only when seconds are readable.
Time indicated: h=9 m=2
